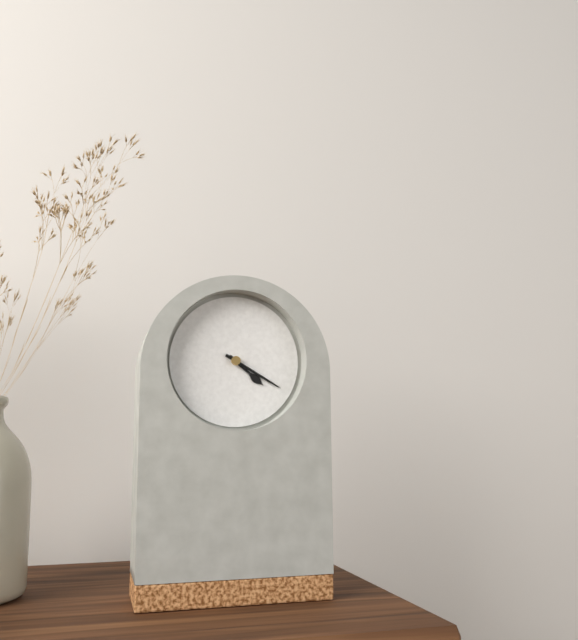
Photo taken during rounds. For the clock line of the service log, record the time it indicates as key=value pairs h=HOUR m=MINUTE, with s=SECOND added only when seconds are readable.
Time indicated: h=4 m=20
